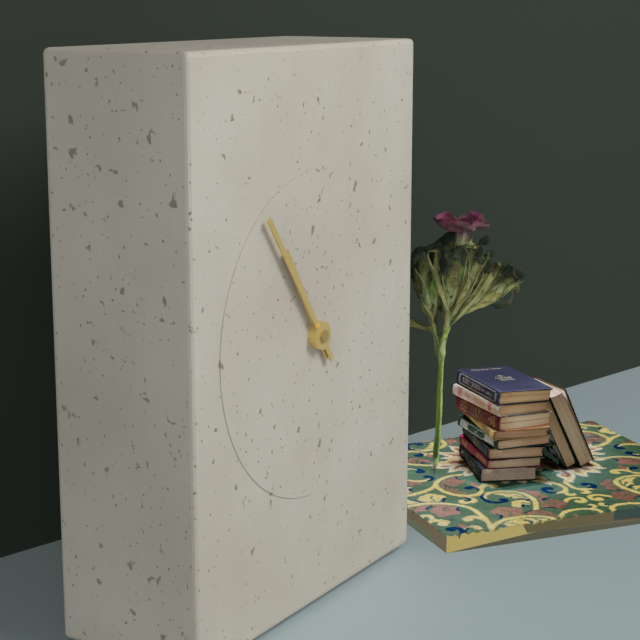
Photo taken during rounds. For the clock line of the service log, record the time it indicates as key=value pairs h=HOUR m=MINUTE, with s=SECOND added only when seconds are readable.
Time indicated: h=10 m=54
